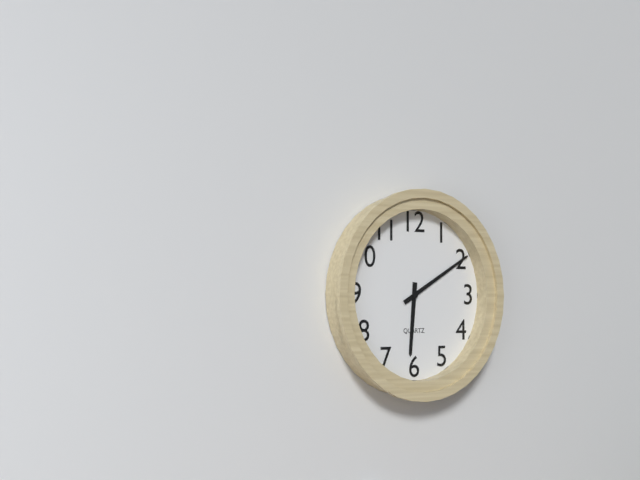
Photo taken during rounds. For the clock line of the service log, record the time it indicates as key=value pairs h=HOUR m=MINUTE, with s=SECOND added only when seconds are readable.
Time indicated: h=6 m=10
